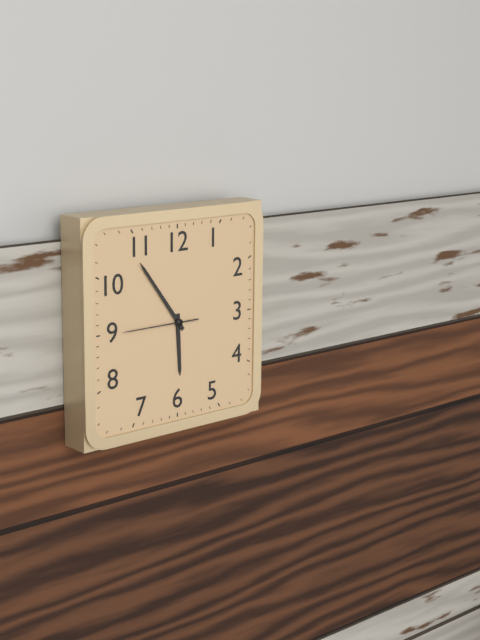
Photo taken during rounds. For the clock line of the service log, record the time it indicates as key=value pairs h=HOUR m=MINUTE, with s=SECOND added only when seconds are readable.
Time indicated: h=5 m=54 s=45
